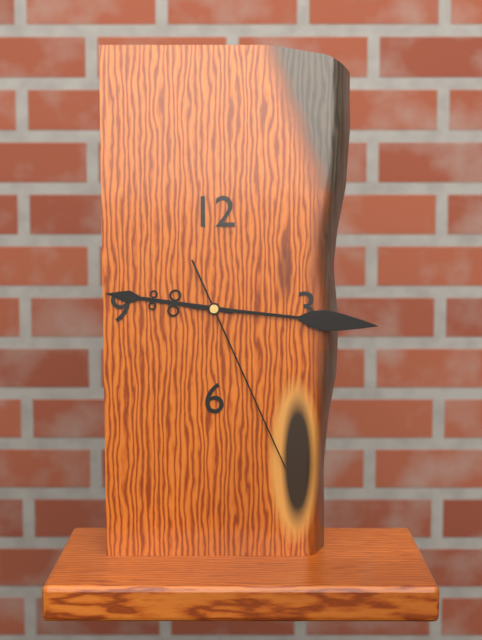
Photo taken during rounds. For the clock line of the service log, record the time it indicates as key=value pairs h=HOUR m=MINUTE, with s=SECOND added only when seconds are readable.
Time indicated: h=9 m=16 s=26
